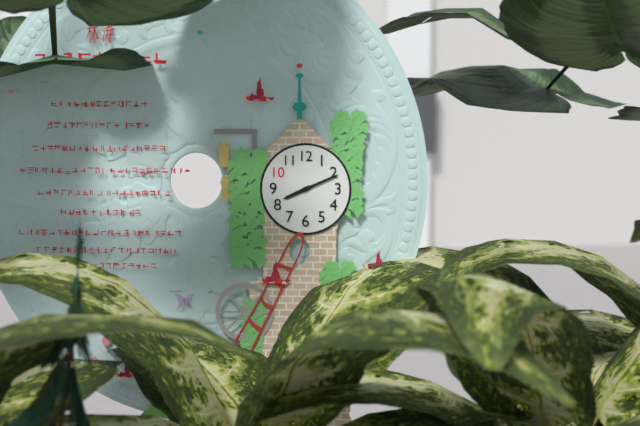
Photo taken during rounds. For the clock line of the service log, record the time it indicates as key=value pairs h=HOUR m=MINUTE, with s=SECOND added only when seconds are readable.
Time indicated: h=8 m=11
